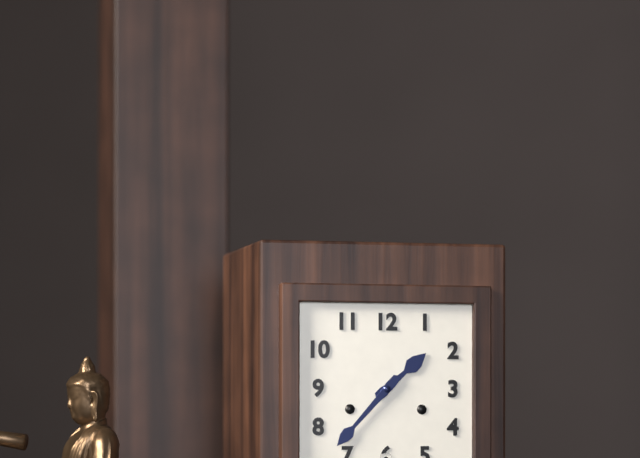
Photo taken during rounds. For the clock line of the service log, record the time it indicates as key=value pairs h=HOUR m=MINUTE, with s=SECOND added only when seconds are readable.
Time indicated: h=1 m=37
